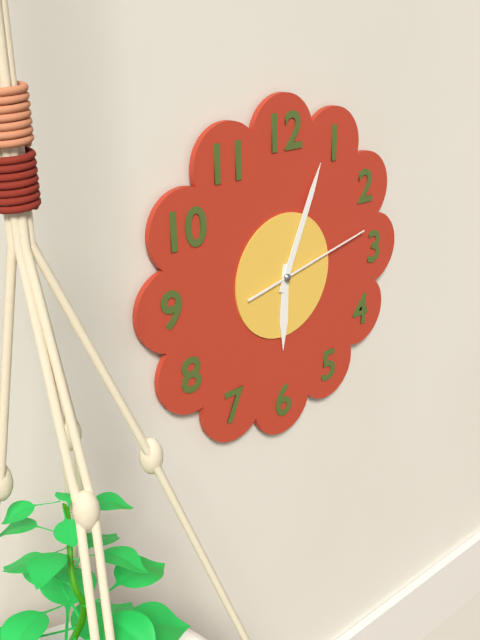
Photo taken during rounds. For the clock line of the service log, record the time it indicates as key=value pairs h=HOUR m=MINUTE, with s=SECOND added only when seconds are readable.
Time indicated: h=6 m=4 s=13
